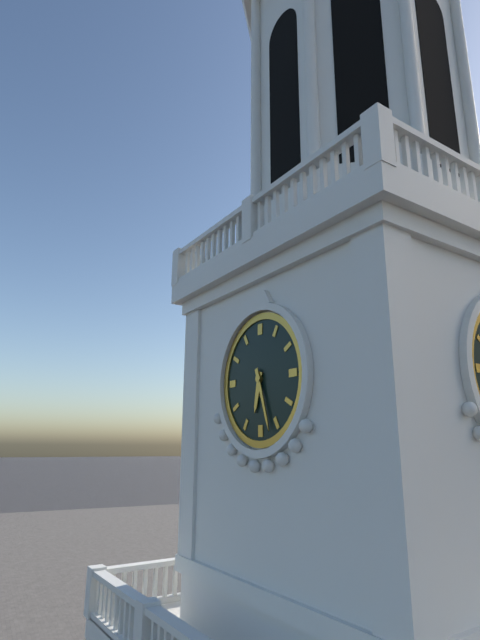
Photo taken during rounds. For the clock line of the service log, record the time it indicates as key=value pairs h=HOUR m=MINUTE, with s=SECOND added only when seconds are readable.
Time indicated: h=6 m=27
